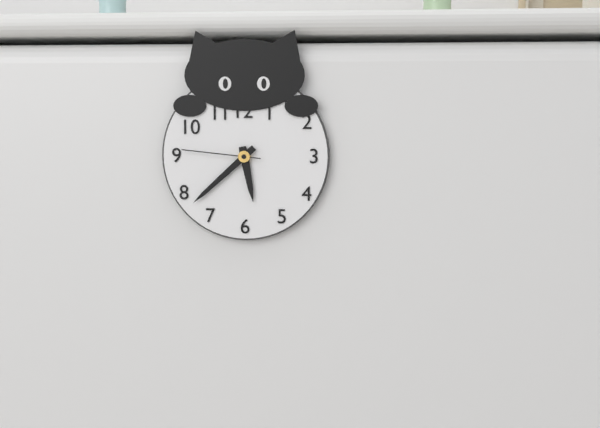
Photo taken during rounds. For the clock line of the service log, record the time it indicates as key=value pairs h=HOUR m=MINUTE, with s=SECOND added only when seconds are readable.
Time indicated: h=5 m=38 s=46
